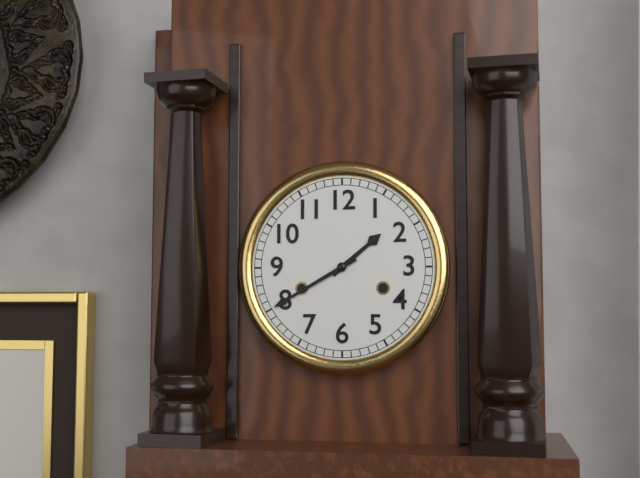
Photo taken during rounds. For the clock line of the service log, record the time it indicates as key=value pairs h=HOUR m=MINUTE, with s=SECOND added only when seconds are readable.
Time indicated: h=1 m=40
